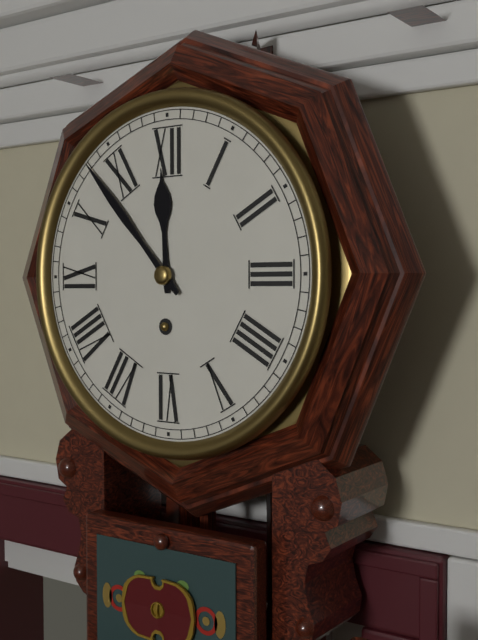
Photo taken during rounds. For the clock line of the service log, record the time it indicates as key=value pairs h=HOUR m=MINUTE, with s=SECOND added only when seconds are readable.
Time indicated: h=11 m=53
